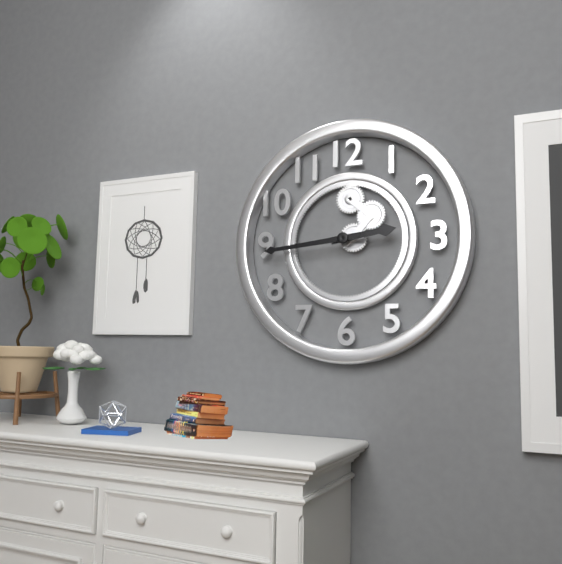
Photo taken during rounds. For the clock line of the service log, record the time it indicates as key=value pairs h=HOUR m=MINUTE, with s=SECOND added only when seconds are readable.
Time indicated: h=2 m=44
